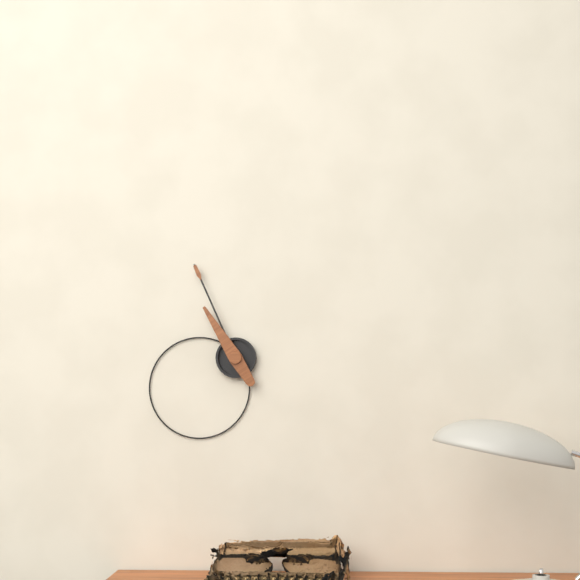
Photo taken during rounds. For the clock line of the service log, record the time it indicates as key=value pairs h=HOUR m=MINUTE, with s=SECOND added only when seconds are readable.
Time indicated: h=10 m=56
